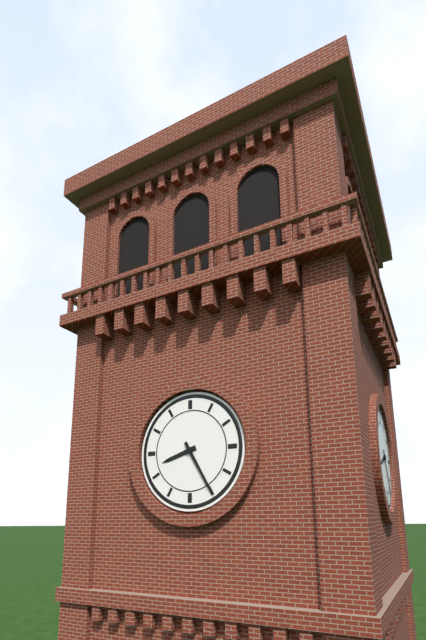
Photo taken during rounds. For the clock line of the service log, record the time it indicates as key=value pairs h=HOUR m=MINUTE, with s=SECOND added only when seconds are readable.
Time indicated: h=8 m=25
